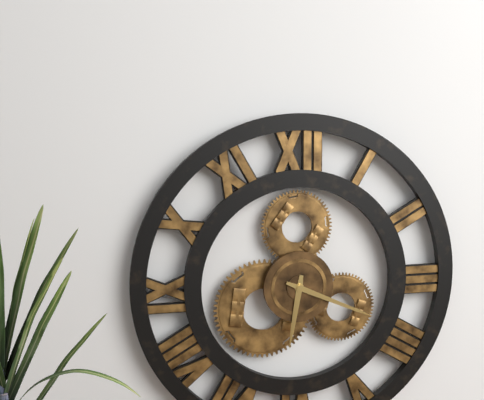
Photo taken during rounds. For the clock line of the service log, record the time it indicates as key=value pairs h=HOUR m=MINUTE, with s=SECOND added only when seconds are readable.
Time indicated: h=6 m=19
